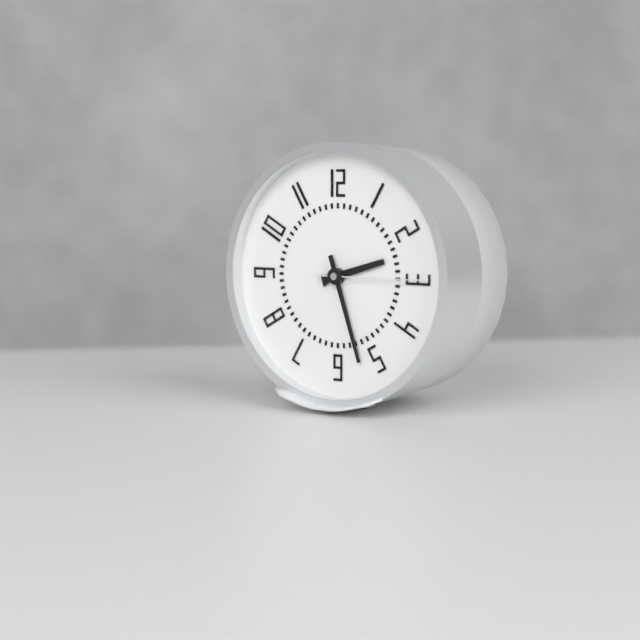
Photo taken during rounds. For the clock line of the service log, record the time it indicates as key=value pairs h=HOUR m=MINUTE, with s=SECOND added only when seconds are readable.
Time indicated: h=2 m=27 s=15
